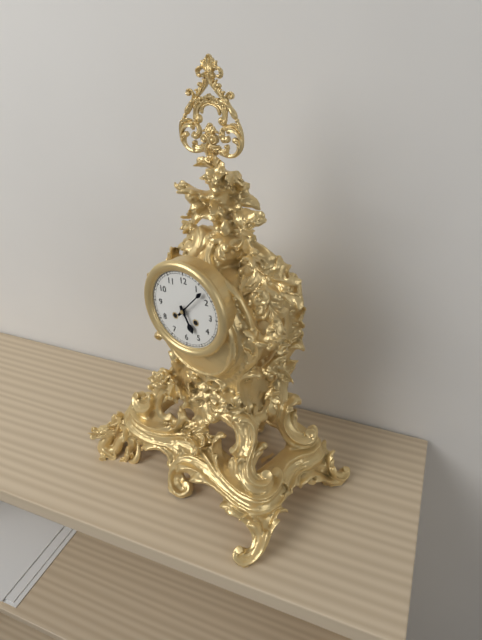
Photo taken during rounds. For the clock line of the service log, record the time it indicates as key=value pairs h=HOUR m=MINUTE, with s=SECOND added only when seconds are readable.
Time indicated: h=5 m=7
